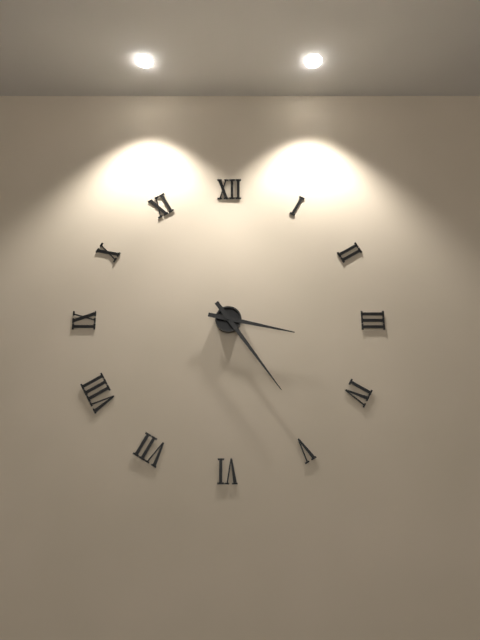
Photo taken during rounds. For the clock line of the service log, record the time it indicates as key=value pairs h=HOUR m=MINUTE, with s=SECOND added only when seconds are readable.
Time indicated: h=3 m=24
